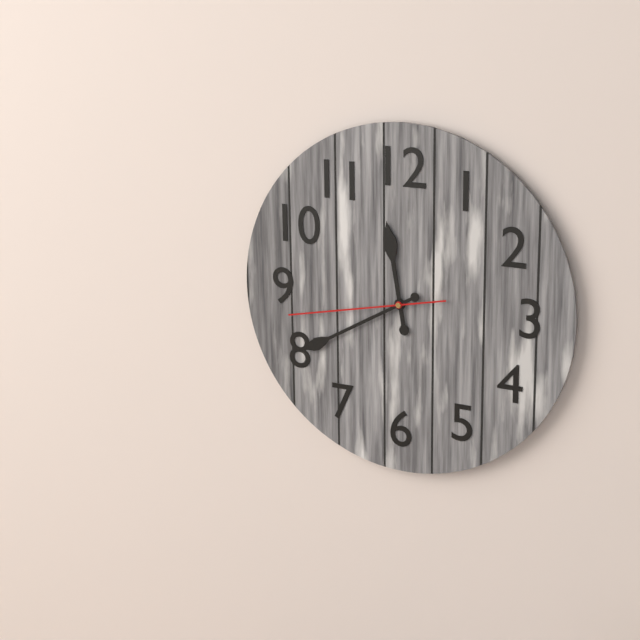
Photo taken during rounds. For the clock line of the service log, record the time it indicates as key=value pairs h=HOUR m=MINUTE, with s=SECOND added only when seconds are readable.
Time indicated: h=11 m=40 s=43
